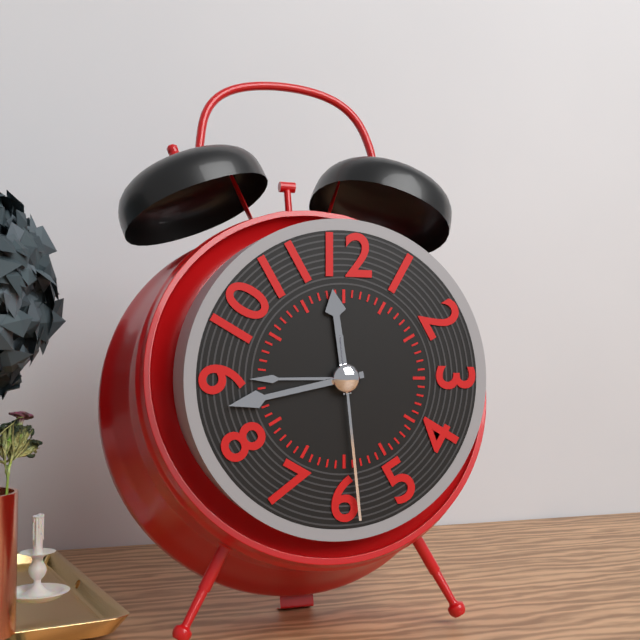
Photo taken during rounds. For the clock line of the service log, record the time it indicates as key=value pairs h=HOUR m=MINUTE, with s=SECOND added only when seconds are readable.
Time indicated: h=11 m=43 s=29
